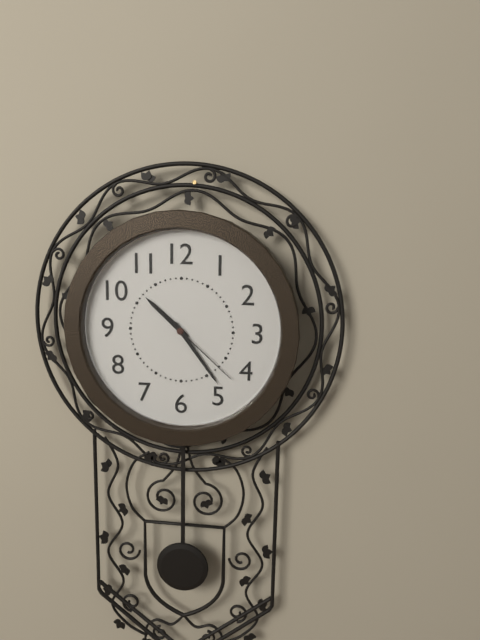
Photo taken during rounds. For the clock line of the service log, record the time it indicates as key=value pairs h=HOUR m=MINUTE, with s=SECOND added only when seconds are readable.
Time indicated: h=10 m=24 s=22
